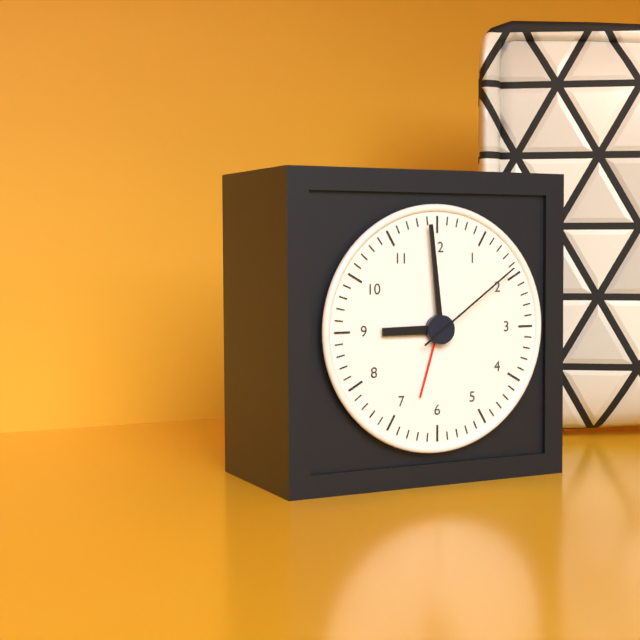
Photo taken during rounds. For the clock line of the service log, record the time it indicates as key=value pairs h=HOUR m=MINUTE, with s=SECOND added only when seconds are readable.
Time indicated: h=8 m=59 s=9
